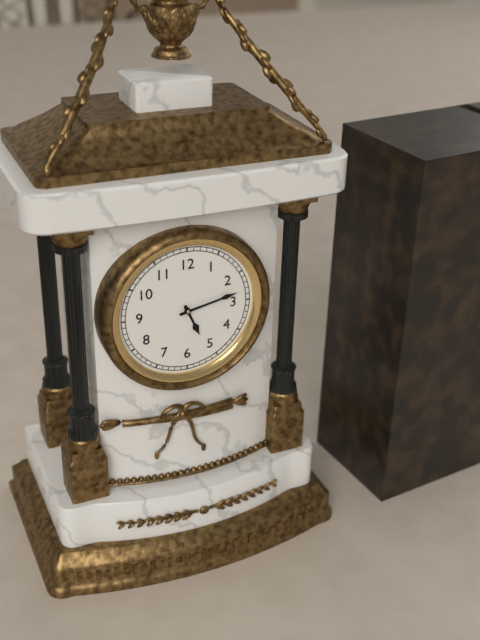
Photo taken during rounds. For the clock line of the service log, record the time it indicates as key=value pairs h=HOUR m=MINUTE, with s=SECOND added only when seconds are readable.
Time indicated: h=5 m=13
